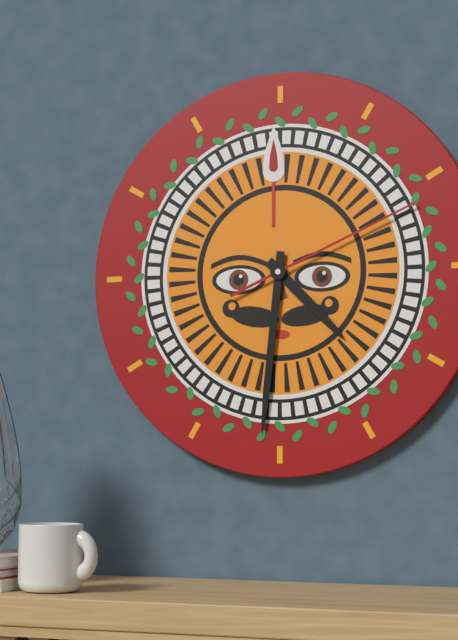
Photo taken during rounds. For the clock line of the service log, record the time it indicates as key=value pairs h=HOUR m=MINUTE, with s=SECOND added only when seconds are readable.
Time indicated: h=4 m=31 s=11
